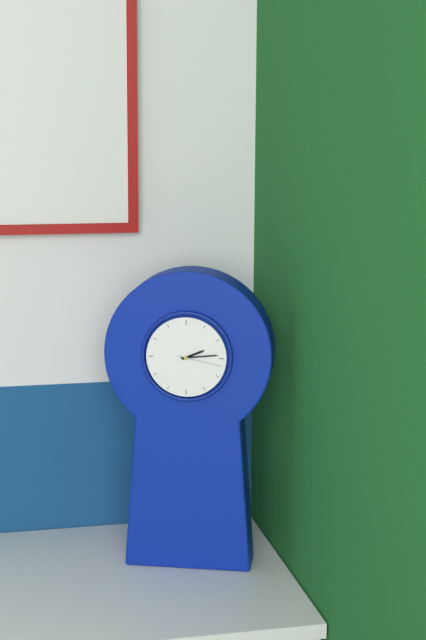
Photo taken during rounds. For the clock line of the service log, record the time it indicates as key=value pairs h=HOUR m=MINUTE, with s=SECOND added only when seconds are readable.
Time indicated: h=2 m=14
